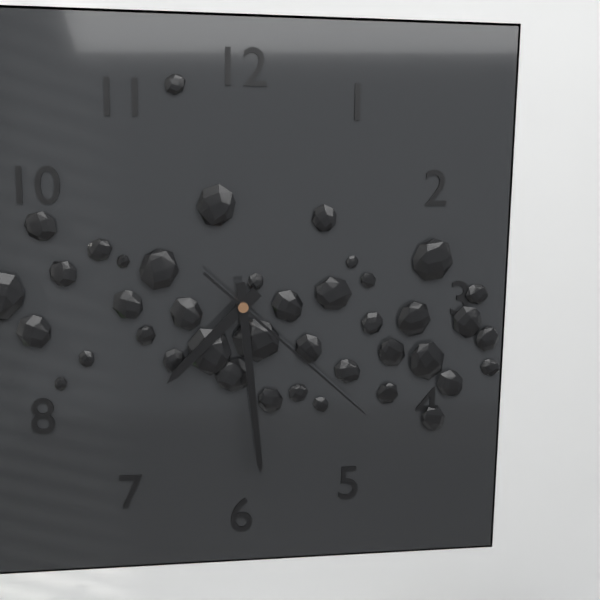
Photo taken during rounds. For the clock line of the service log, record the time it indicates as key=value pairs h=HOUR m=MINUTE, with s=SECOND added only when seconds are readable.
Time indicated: h=7 m=29 s=22
